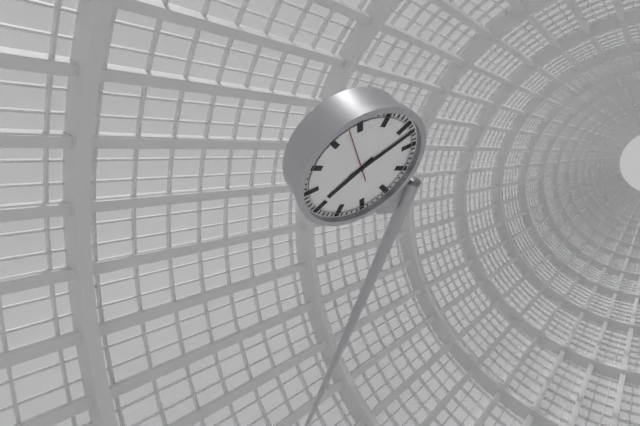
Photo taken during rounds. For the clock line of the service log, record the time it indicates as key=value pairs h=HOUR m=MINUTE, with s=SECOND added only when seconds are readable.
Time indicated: h=7 m=7 s=53
